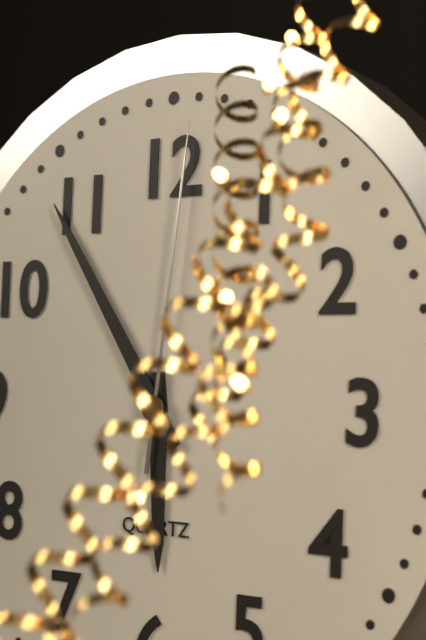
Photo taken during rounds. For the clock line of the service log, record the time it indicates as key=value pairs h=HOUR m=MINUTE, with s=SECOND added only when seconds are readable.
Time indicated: h=5 m=54 s=1
